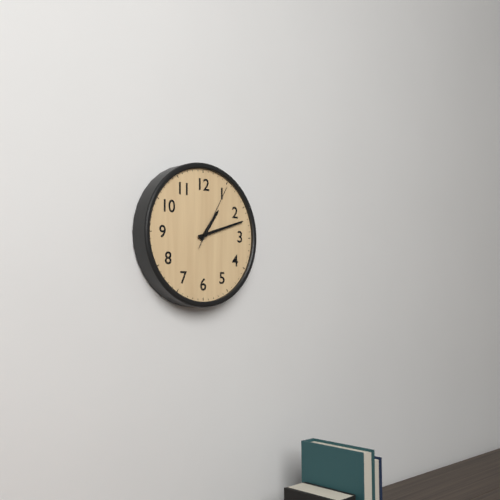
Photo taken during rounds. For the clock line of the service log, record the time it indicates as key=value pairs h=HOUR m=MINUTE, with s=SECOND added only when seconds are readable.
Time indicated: h=1 m=12 s=5
